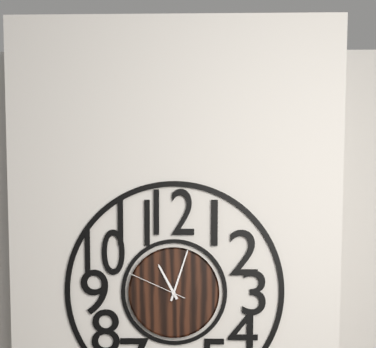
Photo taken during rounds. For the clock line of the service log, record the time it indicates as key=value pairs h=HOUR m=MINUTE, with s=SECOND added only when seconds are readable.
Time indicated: h=11 m=3 s=49
